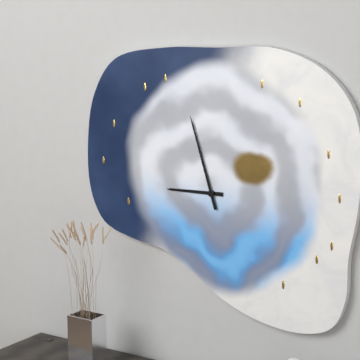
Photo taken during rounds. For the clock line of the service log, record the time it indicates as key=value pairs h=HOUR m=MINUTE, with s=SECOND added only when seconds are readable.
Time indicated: h=8 m=57
